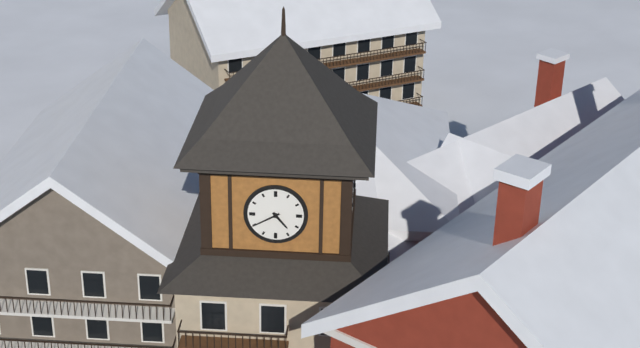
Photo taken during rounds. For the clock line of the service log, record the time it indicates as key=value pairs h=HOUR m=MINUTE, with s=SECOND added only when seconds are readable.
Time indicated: h=4 m=40
